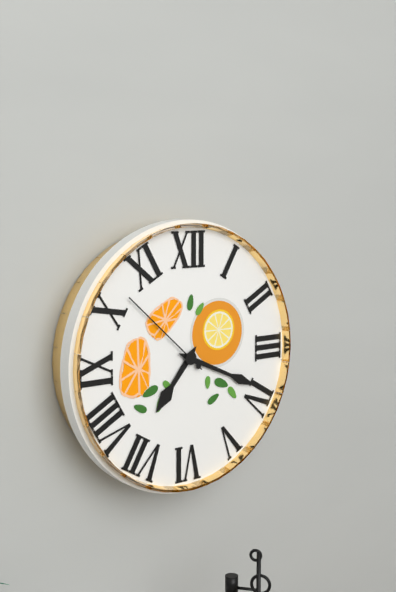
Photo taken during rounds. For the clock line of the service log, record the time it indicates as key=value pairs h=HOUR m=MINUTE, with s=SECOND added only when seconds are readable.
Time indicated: h=7 m=19 s=52
